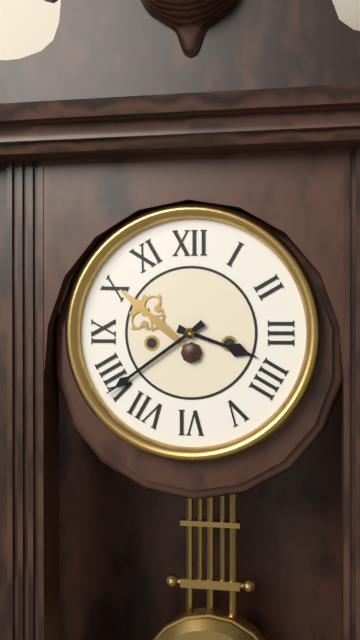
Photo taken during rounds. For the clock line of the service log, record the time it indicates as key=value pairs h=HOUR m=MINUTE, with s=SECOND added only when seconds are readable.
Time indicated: h=3 m=39
